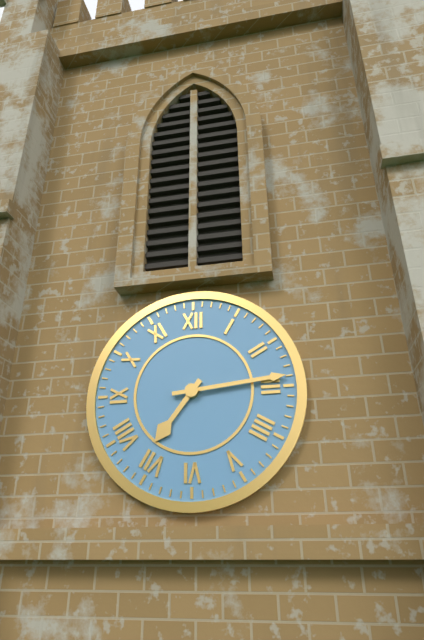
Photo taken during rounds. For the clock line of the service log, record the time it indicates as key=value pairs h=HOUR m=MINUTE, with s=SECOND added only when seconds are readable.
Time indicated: h=7 m=14
